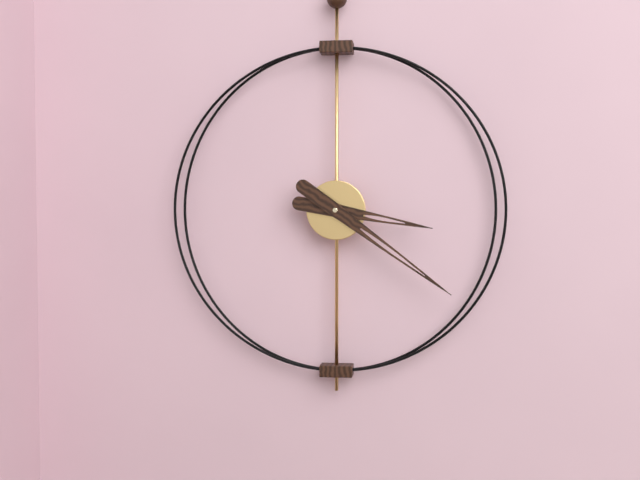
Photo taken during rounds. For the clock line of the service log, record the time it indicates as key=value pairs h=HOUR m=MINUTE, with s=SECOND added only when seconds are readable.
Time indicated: h=3 m=21
